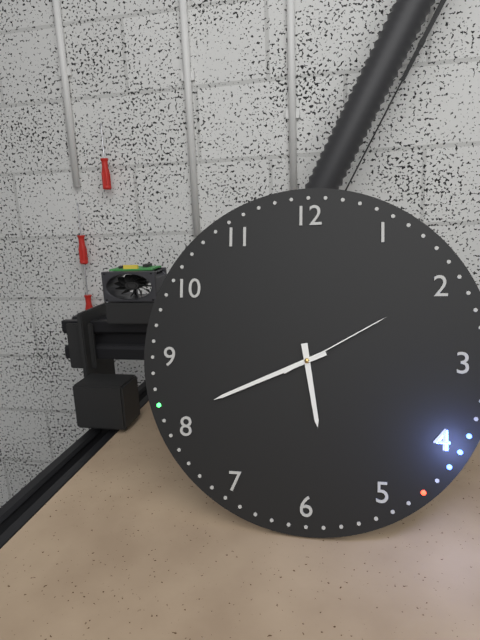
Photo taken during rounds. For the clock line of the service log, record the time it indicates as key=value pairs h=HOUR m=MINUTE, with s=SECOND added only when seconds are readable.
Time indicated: h=5 m=41 s=10
